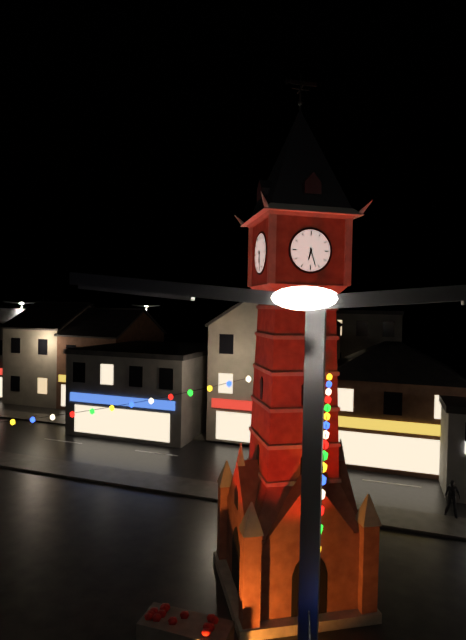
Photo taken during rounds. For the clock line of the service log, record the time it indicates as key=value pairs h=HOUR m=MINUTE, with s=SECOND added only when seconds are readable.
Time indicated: h=6 m=27
